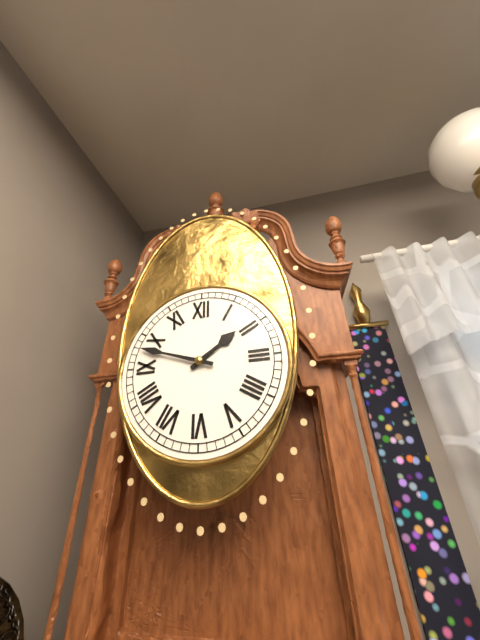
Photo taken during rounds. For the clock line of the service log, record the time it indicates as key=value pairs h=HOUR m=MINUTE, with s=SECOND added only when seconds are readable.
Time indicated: h=1 m=48
